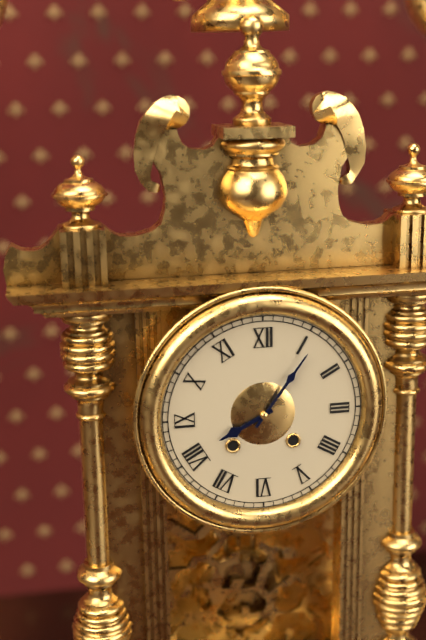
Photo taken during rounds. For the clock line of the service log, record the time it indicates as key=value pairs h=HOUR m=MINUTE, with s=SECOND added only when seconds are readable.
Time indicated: h=8 m=6
